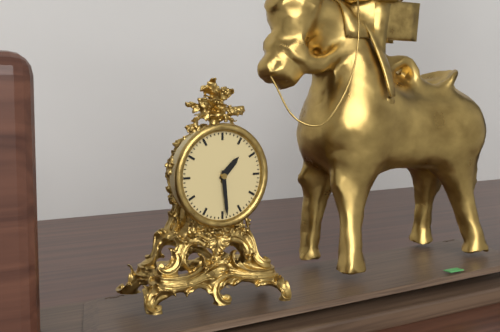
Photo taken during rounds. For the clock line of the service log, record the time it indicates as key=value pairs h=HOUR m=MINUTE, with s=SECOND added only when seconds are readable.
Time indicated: h=1 m=29
